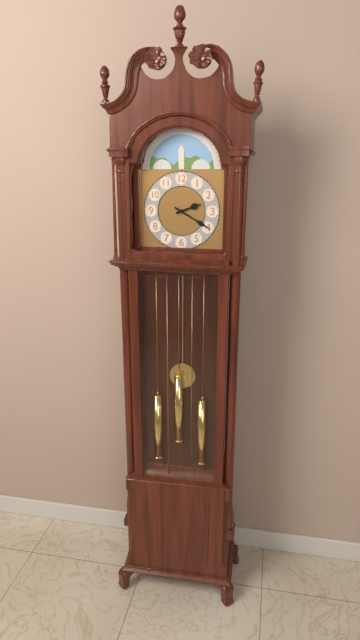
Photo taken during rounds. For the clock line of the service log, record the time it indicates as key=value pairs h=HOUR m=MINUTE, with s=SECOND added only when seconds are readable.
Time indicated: h=2 m=20
